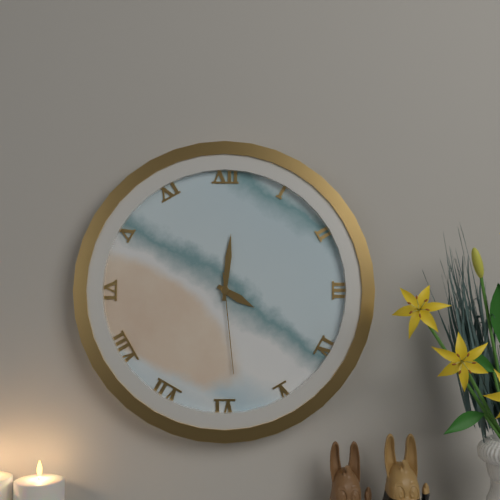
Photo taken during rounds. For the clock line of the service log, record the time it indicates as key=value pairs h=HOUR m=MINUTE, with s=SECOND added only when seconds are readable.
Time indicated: h=4 m=1 s=29
